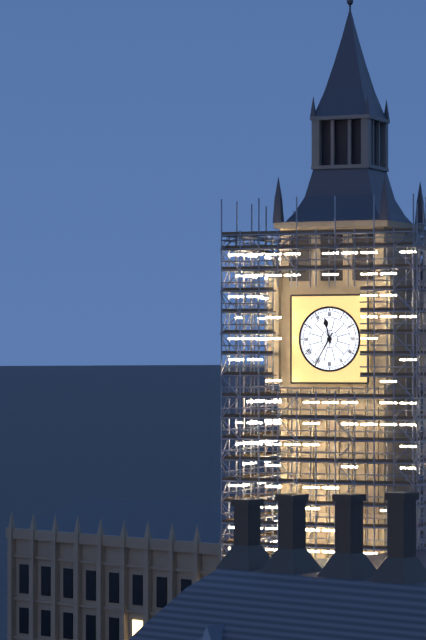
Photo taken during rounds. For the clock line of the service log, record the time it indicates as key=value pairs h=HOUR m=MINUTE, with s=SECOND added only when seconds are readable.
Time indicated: h=11 m=35
